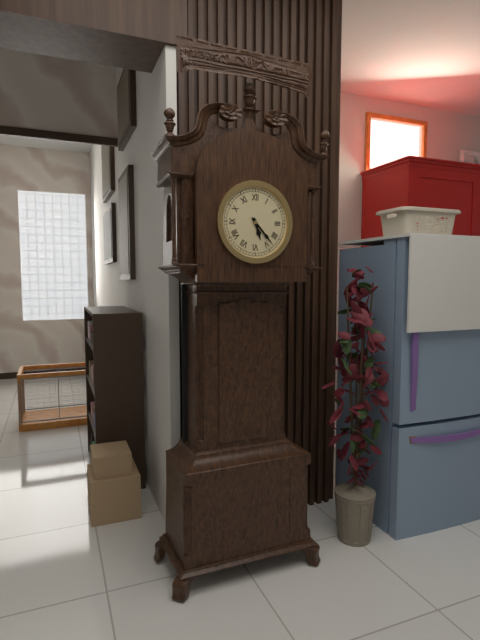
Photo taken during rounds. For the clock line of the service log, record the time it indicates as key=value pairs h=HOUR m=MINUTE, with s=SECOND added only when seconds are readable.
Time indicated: h=5 m=23
